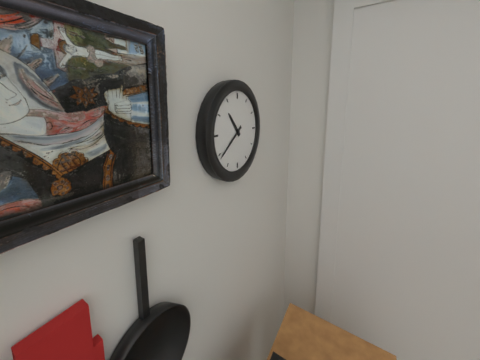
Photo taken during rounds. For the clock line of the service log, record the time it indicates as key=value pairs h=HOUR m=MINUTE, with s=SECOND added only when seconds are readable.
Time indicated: h=10 m=39
